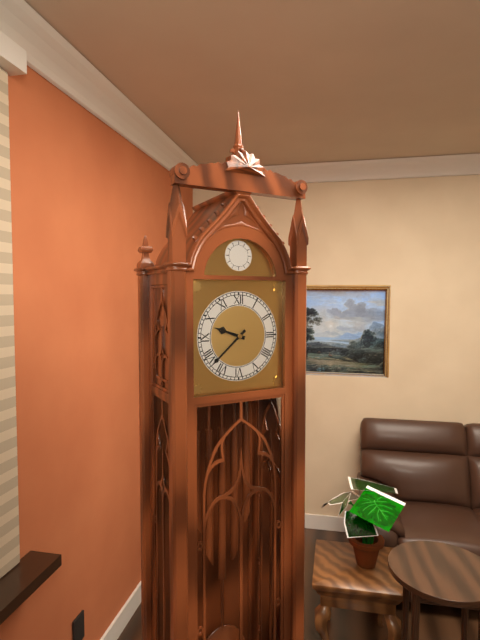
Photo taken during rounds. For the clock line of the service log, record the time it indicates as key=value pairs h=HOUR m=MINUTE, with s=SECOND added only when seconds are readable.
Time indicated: h=9 m=38
